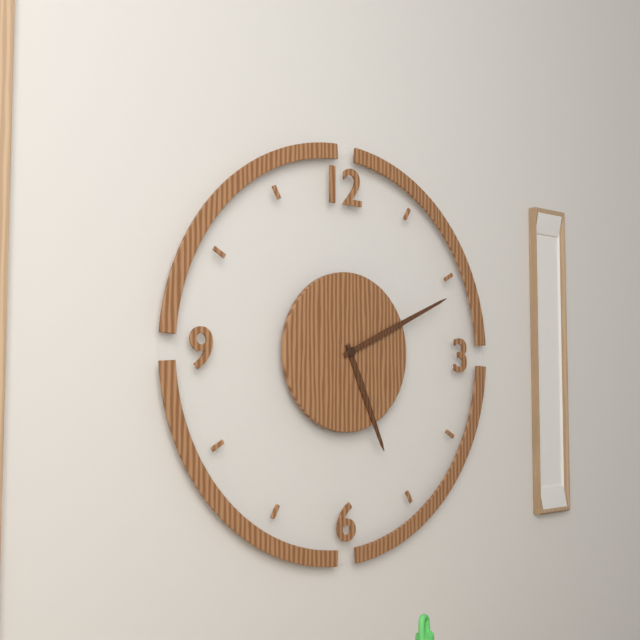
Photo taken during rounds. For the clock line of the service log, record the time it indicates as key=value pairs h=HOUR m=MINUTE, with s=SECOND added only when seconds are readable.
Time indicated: h=5 m=11
